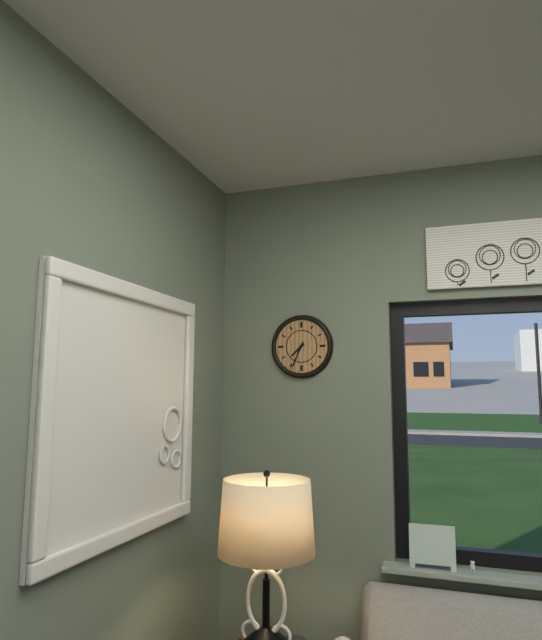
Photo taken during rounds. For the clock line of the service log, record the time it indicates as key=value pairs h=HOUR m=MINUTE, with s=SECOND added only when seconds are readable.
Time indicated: h=7 m=34
